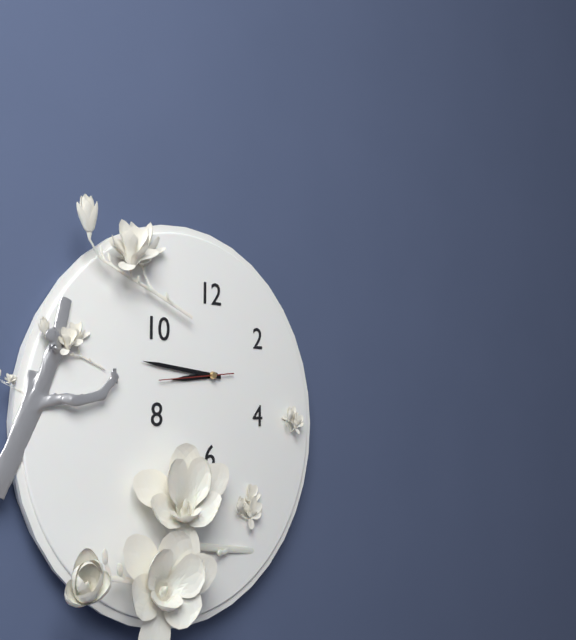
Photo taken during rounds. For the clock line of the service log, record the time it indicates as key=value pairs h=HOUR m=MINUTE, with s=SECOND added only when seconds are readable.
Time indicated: h=8 m=46 s=44
